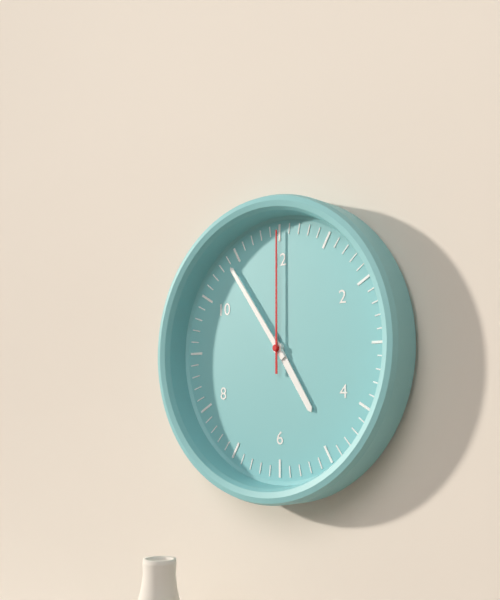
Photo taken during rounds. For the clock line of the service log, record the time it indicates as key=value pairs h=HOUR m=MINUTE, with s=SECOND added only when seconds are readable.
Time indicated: h=4 m=54 s=0
